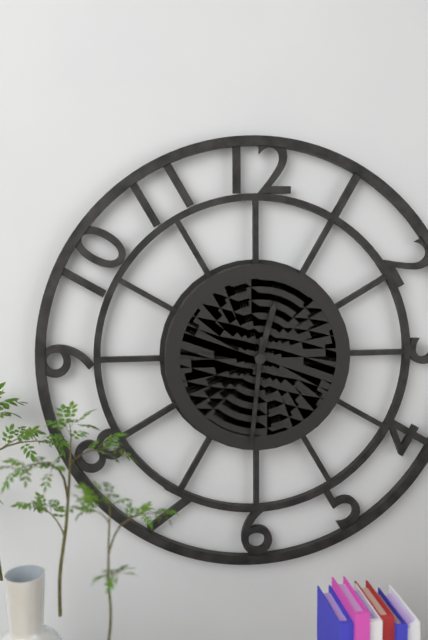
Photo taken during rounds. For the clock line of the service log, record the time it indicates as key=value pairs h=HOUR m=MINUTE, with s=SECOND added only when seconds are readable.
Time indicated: h=12 m=31
